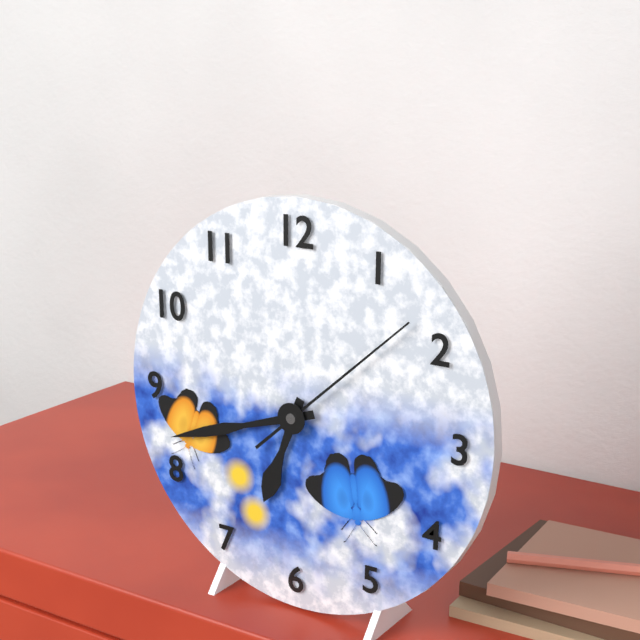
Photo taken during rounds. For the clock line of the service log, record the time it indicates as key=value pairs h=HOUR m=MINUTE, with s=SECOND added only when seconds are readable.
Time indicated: h=6 m=42 s=8
